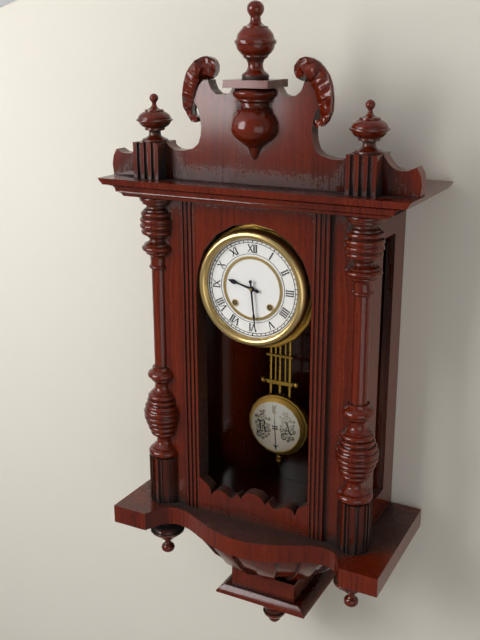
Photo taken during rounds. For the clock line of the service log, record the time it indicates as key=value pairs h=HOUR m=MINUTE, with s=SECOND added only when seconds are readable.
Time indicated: h=9 m=29
